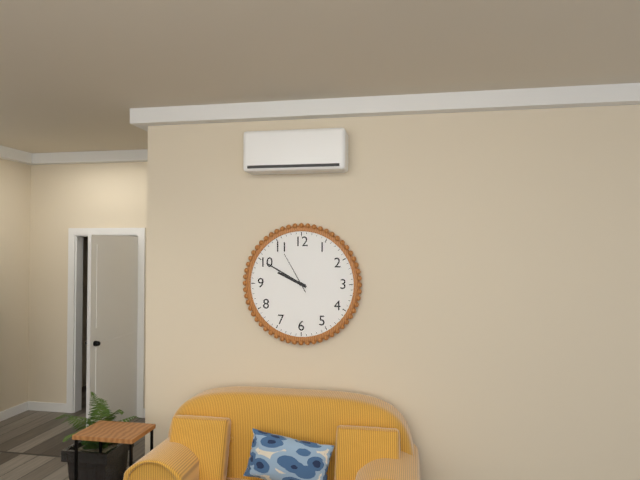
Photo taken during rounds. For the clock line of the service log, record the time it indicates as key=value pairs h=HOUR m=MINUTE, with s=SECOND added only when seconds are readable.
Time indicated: h=9 m=50
